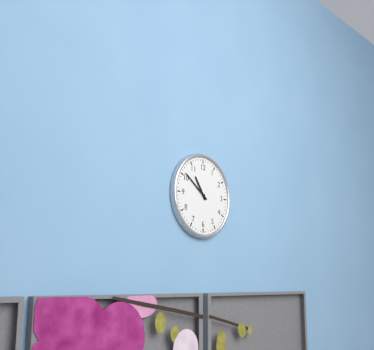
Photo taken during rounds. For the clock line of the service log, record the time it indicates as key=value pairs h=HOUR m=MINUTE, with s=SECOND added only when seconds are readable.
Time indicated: h=10 m=51
